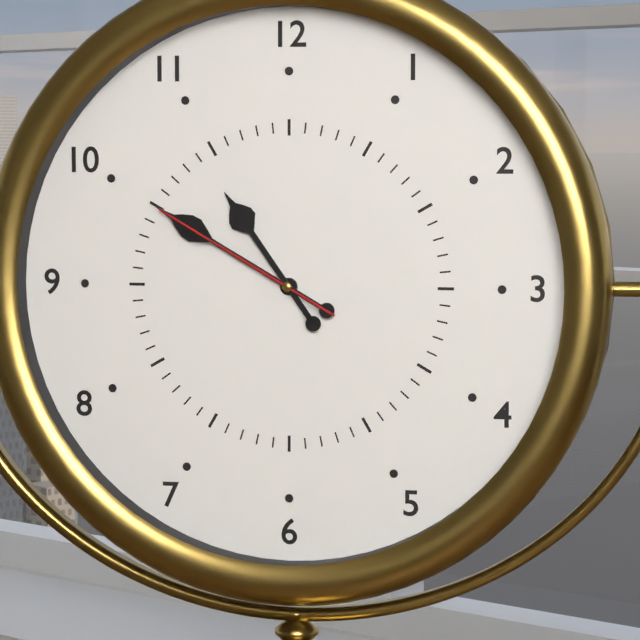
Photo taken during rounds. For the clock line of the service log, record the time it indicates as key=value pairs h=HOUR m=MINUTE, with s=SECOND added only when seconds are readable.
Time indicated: h=10 m=50 s=50
